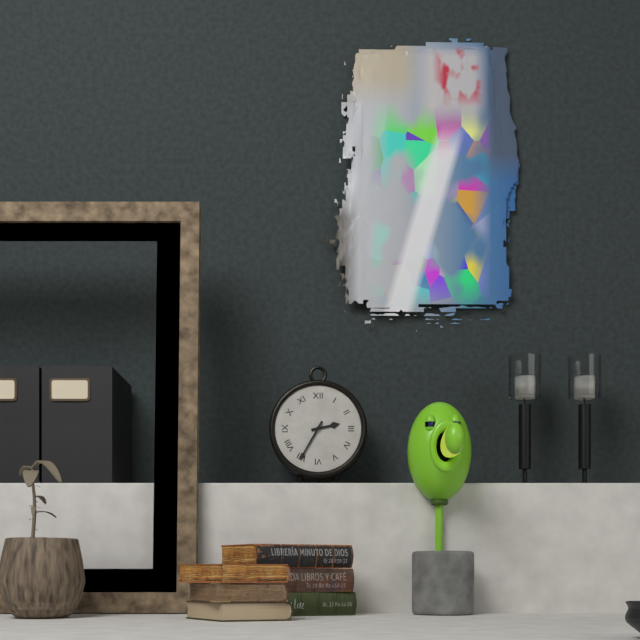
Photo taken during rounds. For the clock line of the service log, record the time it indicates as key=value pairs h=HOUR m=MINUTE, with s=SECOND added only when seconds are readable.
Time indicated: h=2 m=35
